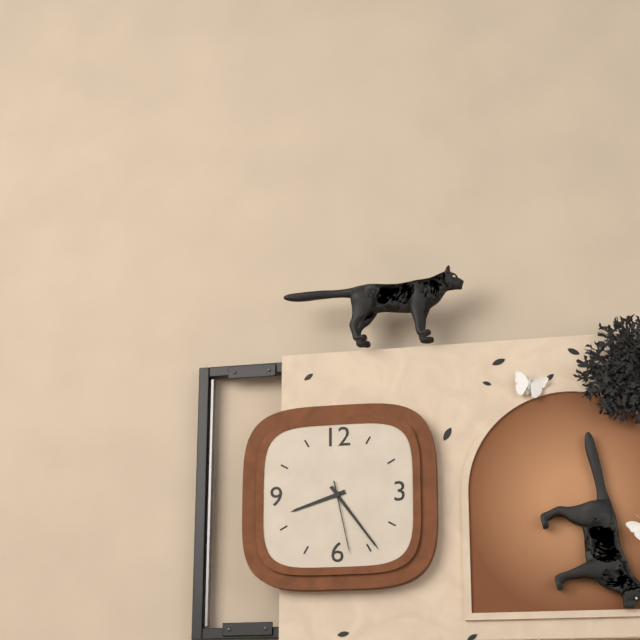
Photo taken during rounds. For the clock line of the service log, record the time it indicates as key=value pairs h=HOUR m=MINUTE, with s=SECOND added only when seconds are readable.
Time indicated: h=8 m=24 s=28
